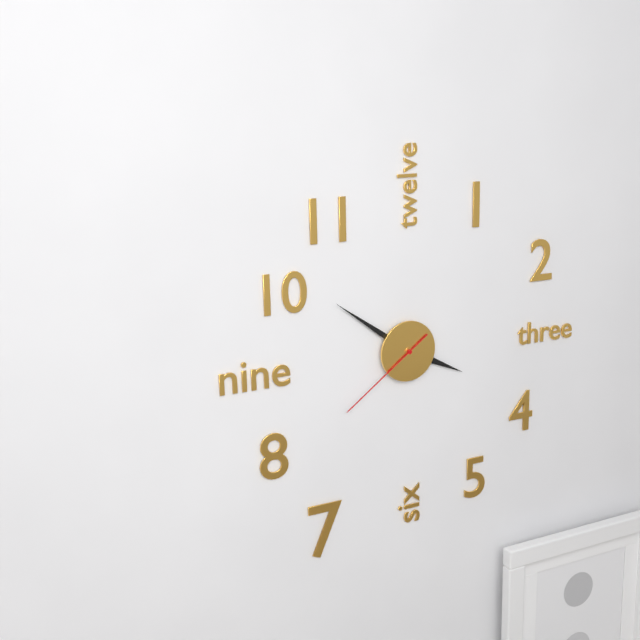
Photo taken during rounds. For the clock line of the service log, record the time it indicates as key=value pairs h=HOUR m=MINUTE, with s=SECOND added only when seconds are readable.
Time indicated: h=3 m=51 s=39
